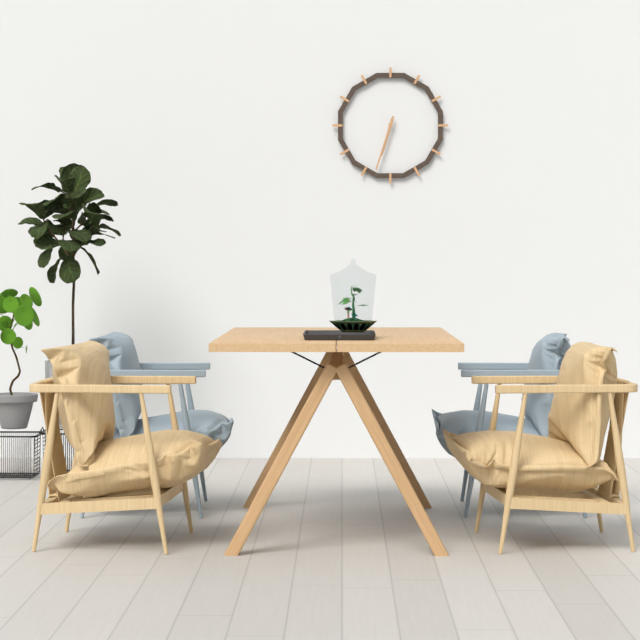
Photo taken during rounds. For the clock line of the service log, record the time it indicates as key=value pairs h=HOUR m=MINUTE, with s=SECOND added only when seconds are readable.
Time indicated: h=6 m=33
